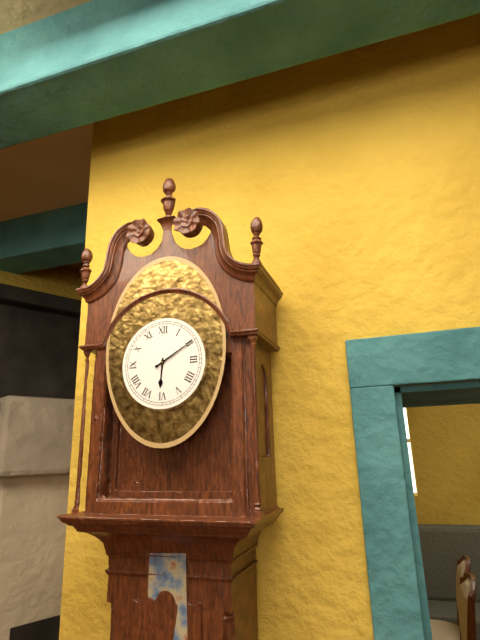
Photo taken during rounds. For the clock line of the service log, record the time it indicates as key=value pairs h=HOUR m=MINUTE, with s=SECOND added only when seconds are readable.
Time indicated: h=6 m=10
